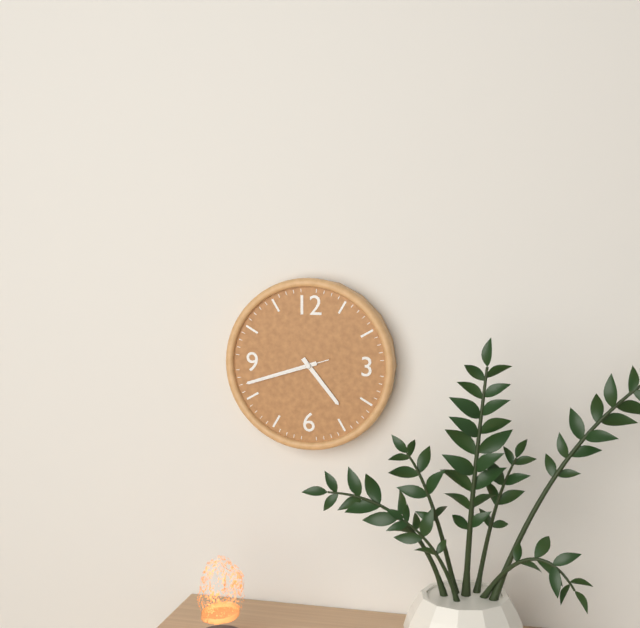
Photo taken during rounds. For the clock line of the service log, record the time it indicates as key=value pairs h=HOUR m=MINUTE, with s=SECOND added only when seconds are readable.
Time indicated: h=4 m=42 s=42
